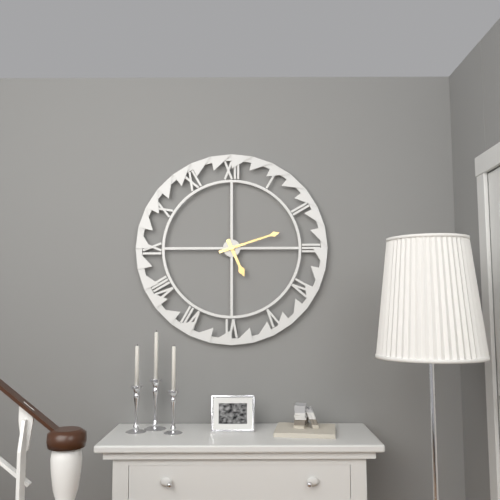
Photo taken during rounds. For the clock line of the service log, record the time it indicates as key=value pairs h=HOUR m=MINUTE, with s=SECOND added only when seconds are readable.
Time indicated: h=5 m=12
